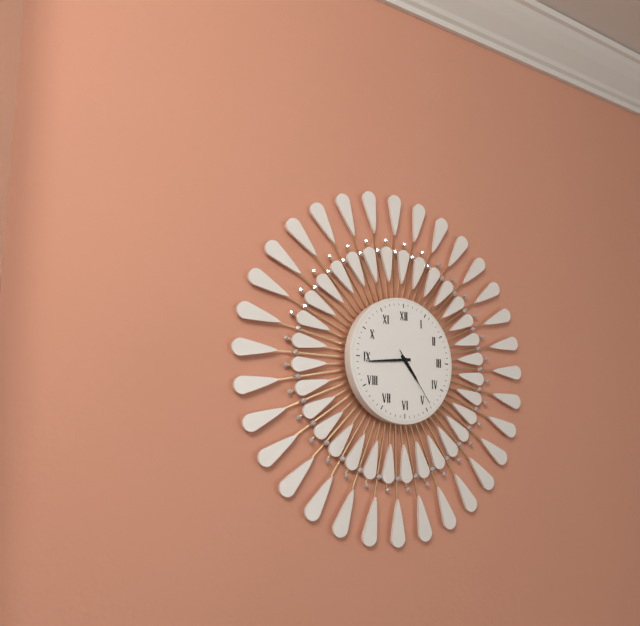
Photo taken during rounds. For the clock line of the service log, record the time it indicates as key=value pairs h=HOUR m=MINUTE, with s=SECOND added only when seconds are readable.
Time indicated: h=4 m=44 s=24
